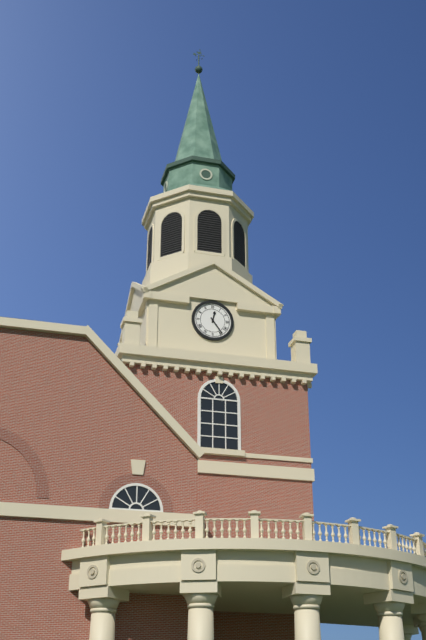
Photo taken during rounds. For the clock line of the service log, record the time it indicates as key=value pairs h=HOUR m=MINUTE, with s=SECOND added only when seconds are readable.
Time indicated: h=12 m=24
